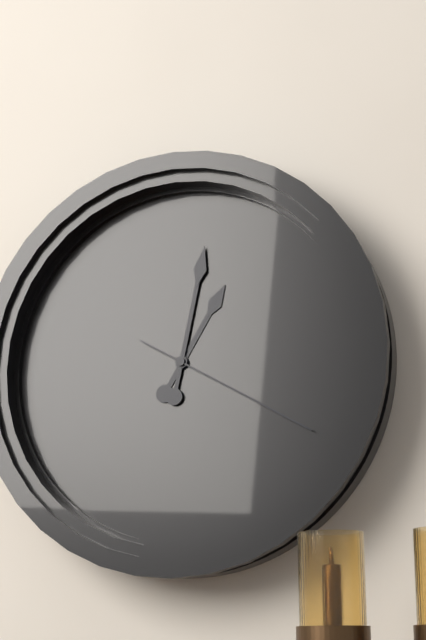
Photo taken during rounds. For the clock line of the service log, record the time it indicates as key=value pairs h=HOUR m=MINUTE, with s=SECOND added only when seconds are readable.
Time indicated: h=1 m=2 s=20
